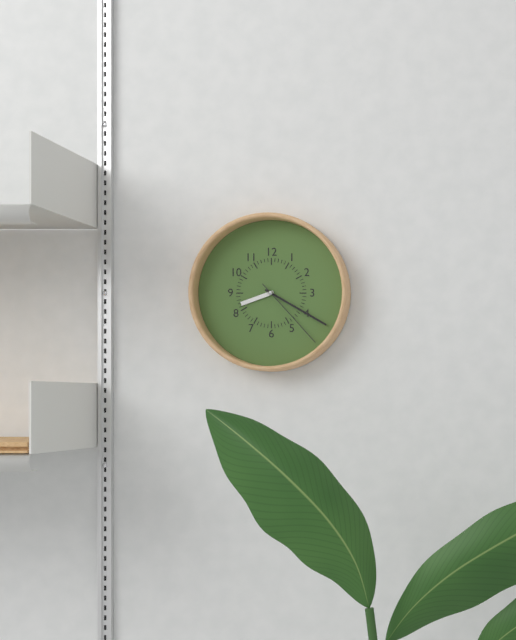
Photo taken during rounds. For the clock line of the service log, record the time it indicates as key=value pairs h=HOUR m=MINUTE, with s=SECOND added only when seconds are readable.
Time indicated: h=8 m=20 s=23
